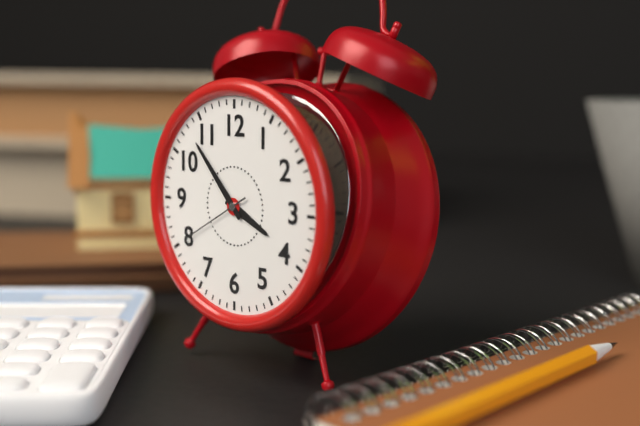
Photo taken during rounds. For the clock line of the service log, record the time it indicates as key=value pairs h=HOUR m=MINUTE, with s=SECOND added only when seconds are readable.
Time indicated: h=3 m=53 s=40
